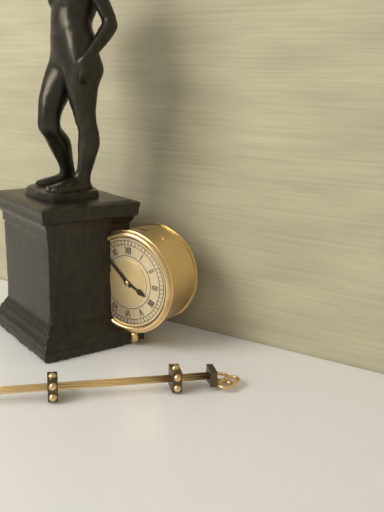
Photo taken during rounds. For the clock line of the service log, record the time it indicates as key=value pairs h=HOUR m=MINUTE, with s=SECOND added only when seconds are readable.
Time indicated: h=3 m=52
